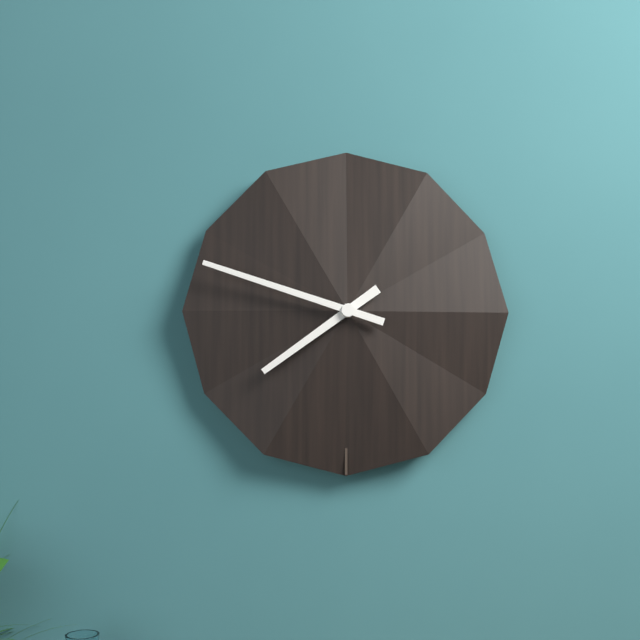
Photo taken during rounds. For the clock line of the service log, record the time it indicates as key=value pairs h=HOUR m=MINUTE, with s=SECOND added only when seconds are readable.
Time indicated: h=7 m=48
